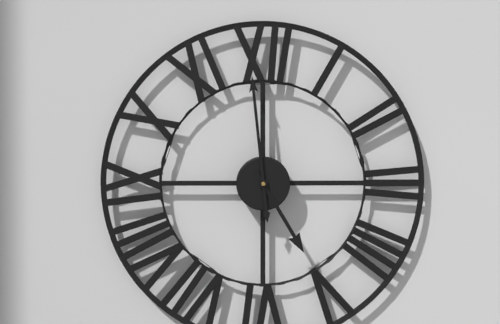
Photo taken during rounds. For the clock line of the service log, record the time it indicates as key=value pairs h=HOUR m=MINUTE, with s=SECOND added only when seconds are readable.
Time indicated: h=4 m=59
